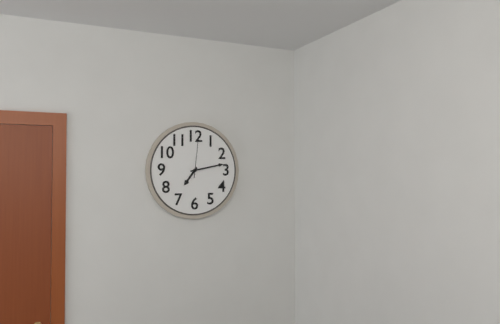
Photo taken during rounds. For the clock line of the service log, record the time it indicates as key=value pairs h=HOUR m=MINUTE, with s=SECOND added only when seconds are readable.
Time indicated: h=7 m=13
